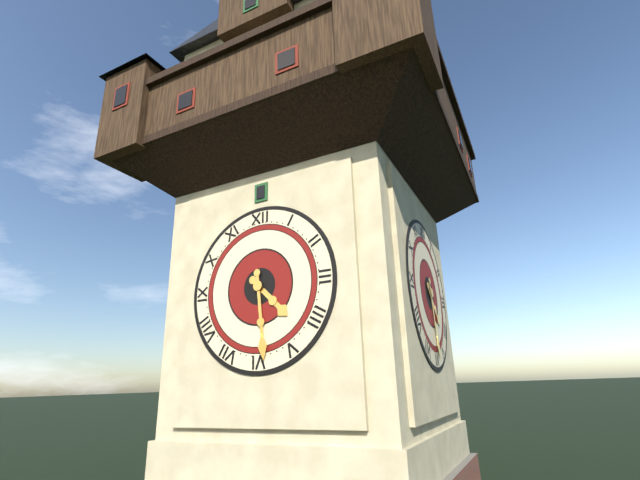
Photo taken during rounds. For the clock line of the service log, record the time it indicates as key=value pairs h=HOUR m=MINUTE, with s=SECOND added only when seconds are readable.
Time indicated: h=4 m=29
